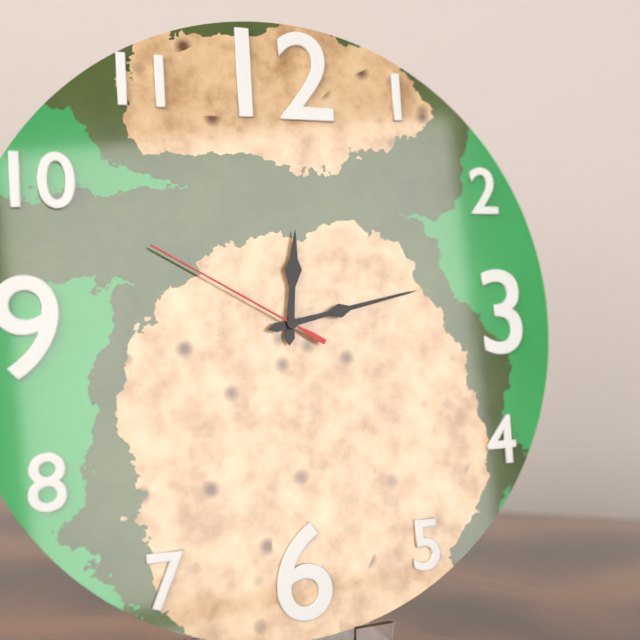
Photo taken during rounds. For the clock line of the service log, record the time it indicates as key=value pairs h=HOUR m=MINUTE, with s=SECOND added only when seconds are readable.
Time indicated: h=12 m=13 s=50
